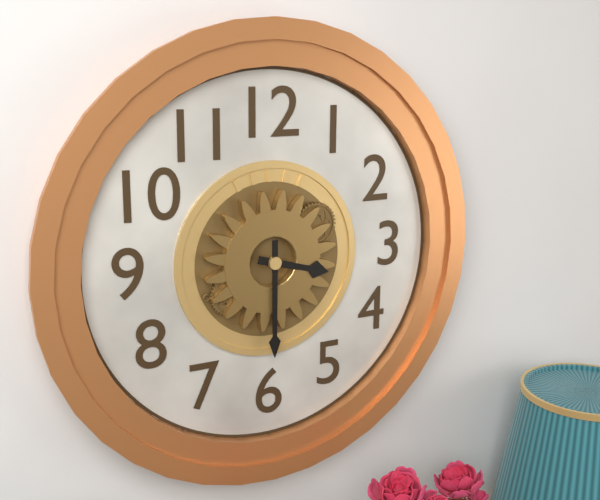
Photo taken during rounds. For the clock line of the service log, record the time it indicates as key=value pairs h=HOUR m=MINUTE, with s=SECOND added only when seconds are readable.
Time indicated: h=3 m=30
